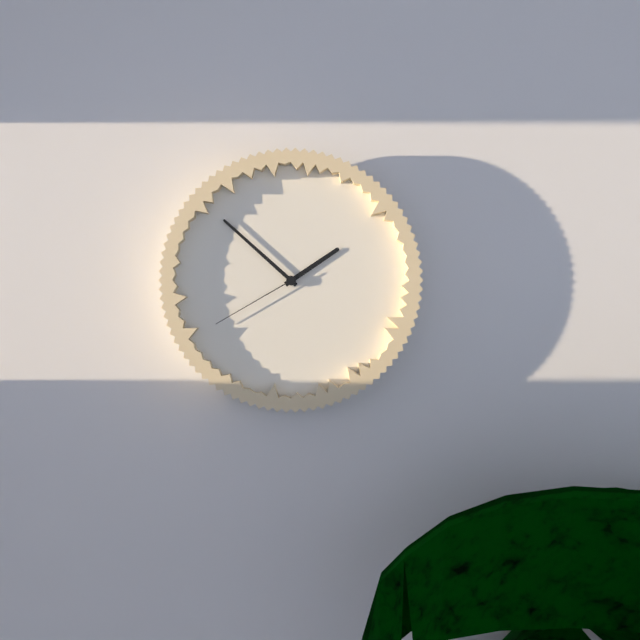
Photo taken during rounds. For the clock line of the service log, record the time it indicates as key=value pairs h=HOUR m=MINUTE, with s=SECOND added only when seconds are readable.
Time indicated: h=1 m=52 s=40
